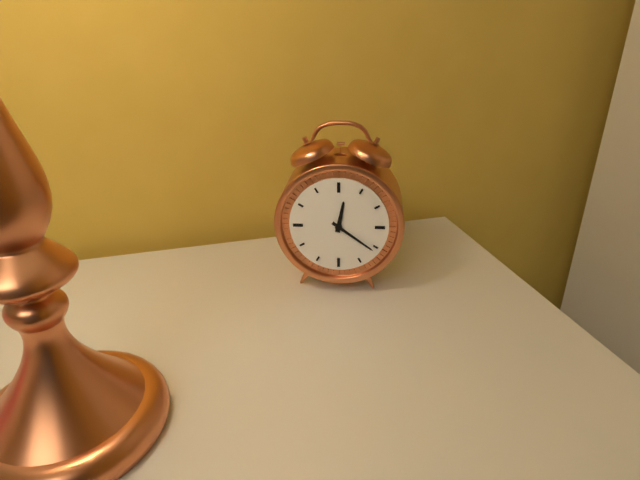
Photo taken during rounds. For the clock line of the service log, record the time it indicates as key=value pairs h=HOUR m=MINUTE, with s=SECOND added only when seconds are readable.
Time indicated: h=12 m=21
